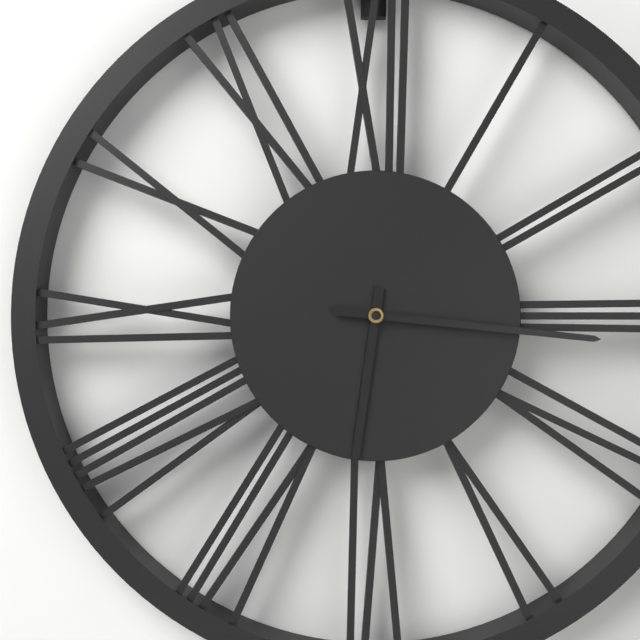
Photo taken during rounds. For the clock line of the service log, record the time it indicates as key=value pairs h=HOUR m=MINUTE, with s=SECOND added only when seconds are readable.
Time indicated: h=6 m=16
